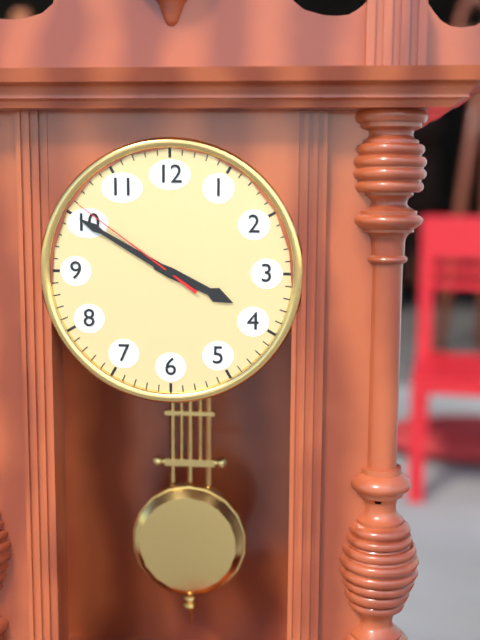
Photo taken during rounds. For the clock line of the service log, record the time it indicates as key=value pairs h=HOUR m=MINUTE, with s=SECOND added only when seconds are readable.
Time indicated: h=3 m=50 s=51
